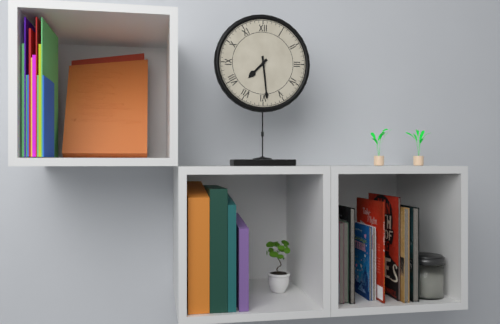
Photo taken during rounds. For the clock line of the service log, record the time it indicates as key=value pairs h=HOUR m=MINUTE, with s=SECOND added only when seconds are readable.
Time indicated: h=7 m=29
